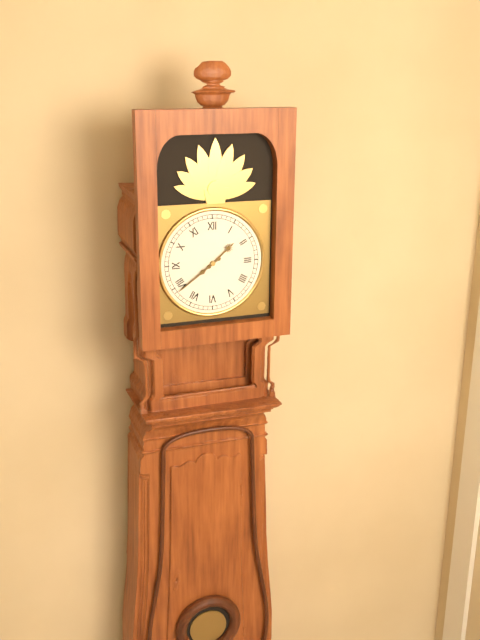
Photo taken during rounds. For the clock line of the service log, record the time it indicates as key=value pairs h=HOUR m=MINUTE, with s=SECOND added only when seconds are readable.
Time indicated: h=1 m=39
